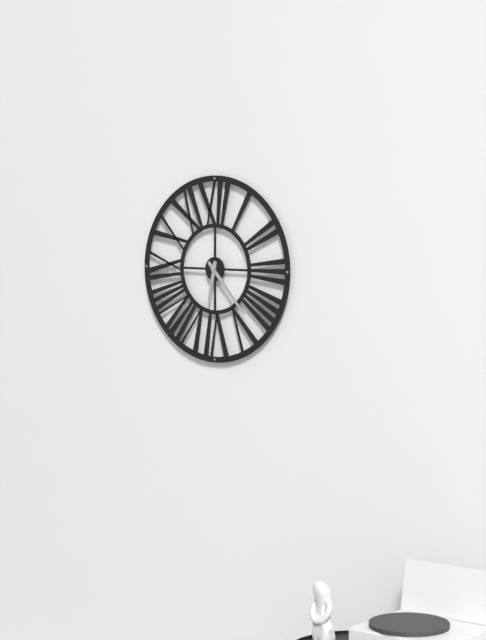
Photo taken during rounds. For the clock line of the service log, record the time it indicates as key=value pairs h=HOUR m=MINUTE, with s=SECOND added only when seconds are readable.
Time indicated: h=6 m=23
